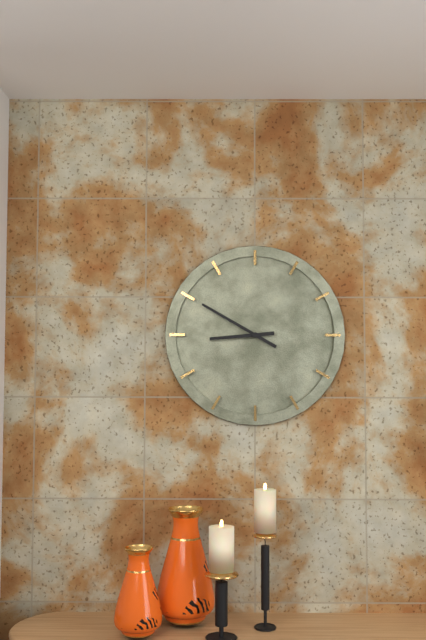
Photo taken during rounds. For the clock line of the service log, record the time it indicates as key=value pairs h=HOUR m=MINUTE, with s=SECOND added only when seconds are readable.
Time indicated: h=8 m=50
